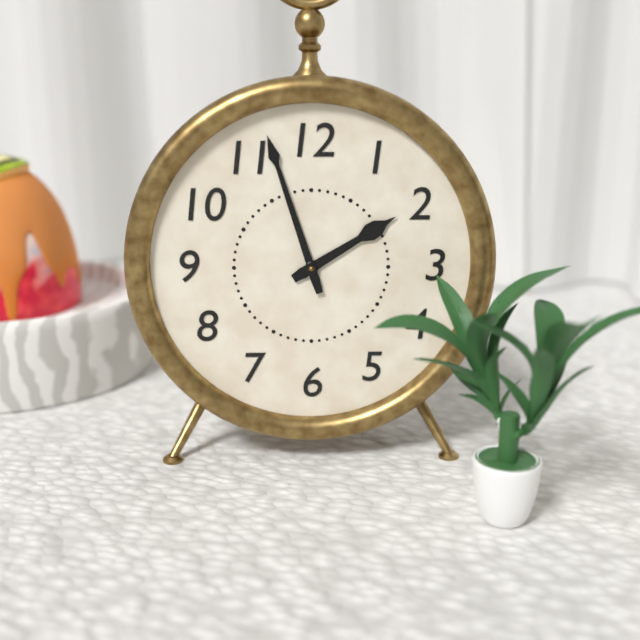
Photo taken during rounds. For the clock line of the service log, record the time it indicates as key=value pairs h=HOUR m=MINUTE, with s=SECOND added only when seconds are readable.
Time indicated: h=1 m=57
